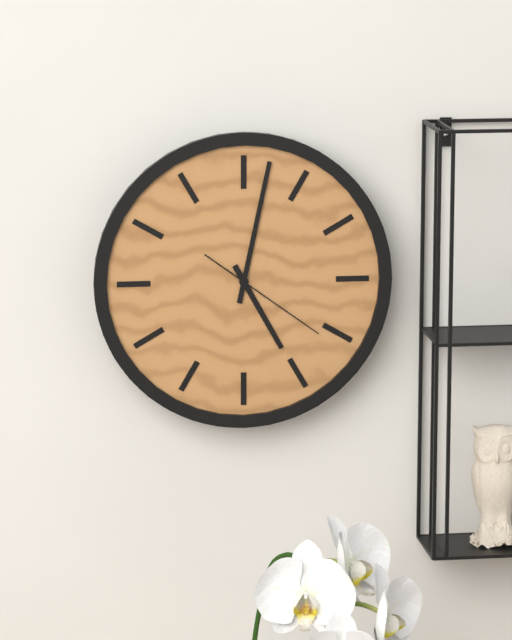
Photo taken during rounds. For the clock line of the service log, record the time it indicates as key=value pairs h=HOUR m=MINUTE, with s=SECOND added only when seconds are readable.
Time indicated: h=5 m=2 s=21
